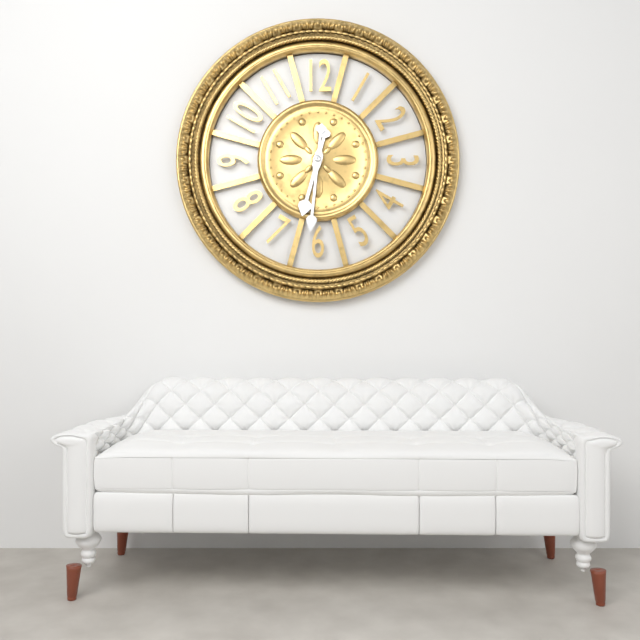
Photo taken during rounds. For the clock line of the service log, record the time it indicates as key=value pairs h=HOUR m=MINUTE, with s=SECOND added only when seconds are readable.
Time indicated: h=6 m=31
